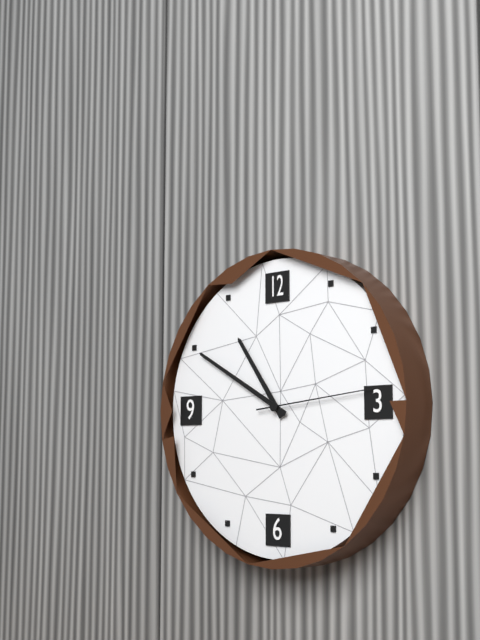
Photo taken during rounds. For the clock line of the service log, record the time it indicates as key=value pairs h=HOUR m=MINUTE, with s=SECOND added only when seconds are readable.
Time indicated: h=10 m=50 s=14
